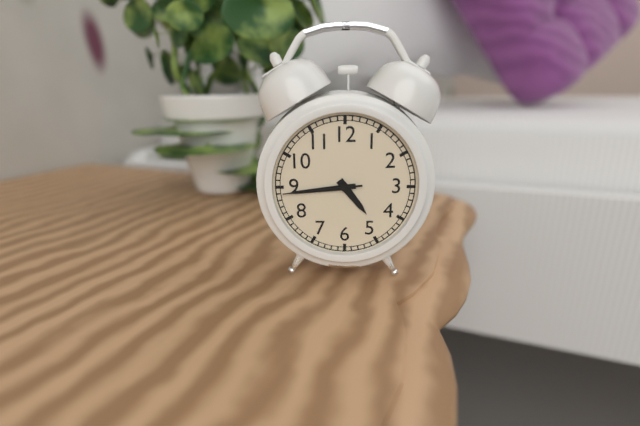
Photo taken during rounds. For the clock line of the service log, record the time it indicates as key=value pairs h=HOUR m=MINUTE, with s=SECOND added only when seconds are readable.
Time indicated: h=4 m=44 s=44
